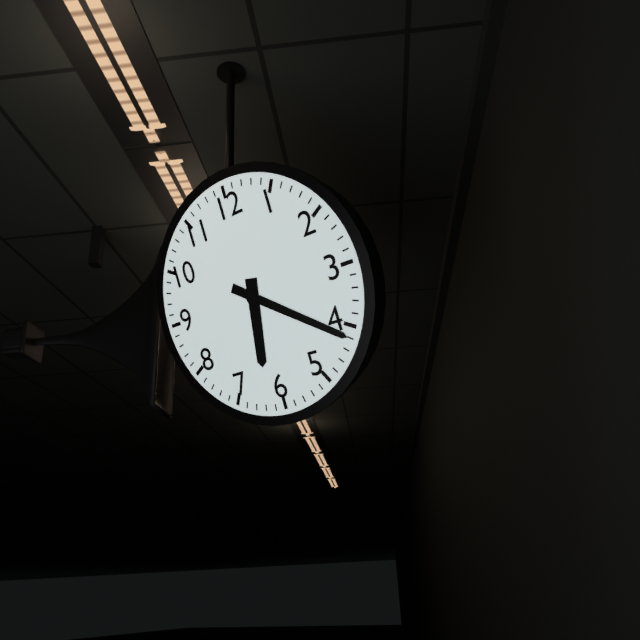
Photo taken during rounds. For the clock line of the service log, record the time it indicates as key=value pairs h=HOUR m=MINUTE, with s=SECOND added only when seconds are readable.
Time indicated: h=6 m=21
